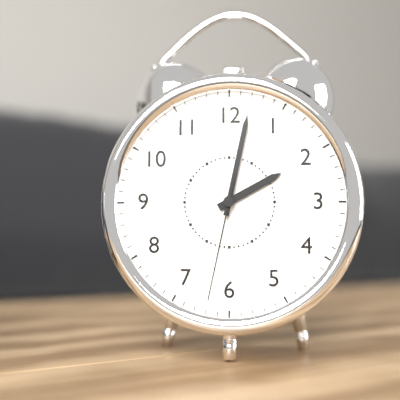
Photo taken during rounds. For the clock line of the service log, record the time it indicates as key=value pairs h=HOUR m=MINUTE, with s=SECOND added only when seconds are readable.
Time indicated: h=2 m=2 s=32
